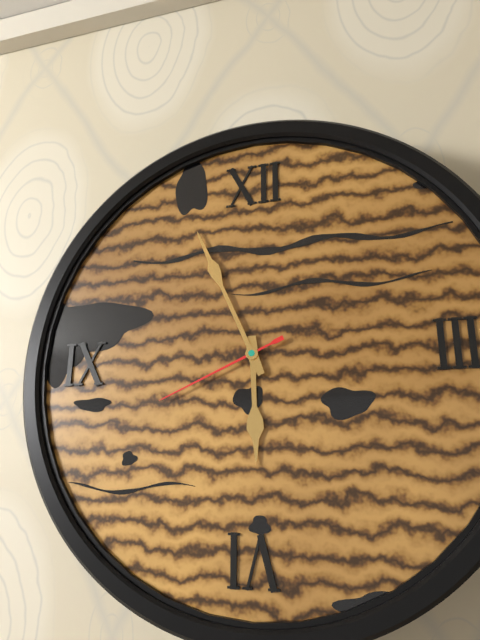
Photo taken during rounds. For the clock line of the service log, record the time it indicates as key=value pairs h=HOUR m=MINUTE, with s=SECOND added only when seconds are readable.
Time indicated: h=5 m=56 s=41
